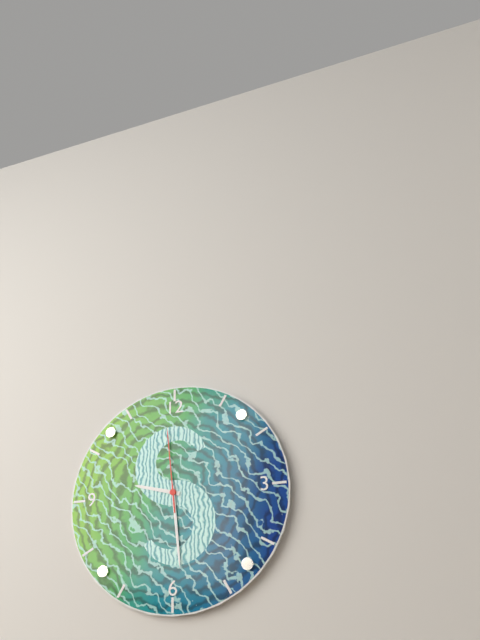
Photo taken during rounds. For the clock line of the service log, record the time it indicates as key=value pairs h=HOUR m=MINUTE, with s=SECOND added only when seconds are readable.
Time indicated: h=9 m=29 s=59
